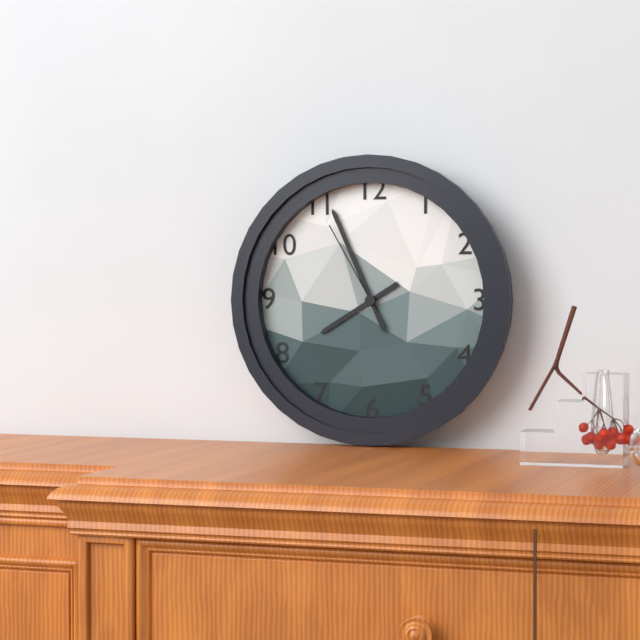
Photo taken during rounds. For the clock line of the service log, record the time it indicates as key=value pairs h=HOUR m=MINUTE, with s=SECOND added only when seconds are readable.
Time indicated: h=7 m=56 s=55
